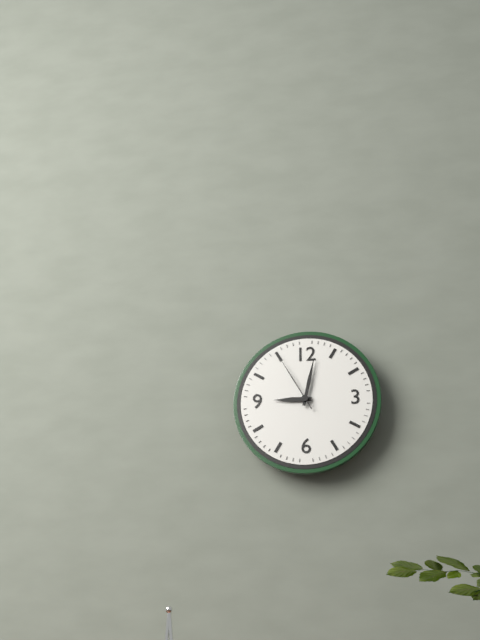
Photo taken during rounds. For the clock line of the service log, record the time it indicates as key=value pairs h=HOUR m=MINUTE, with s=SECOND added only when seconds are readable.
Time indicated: h=9 m=2 s=55
